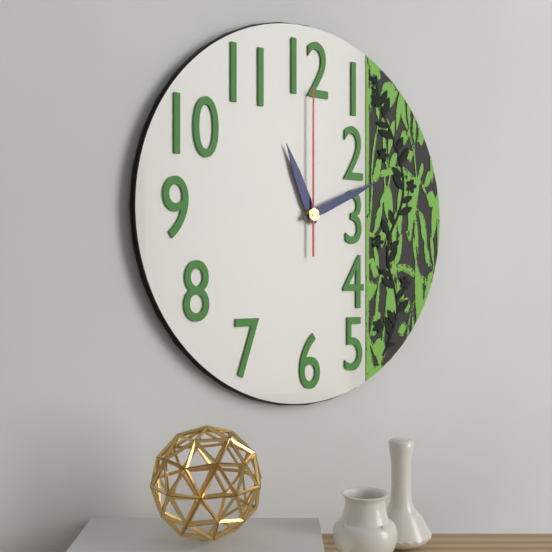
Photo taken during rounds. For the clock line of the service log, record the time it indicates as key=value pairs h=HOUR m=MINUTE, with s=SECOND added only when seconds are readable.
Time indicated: h=11 m=11 s=0
